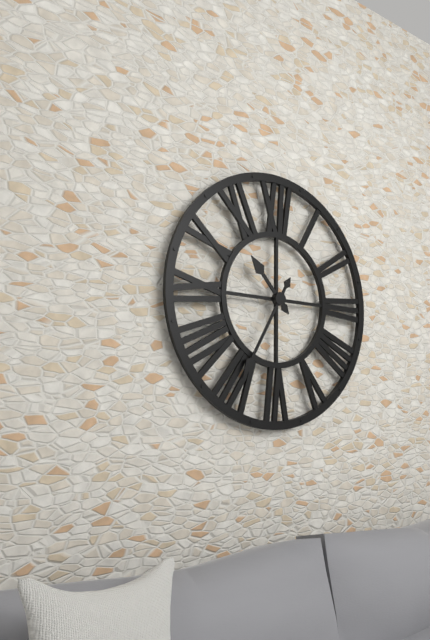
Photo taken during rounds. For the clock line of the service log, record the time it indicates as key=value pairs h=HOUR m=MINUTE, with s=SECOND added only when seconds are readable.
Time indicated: h=10 m=35
